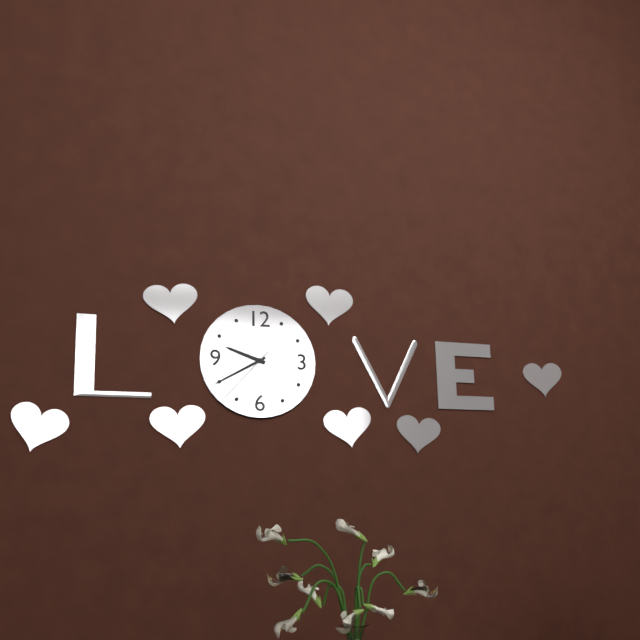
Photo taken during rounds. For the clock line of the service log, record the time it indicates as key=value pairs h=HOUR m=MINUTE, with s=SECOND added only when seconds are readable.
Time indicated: h=9 m=40 s=37
